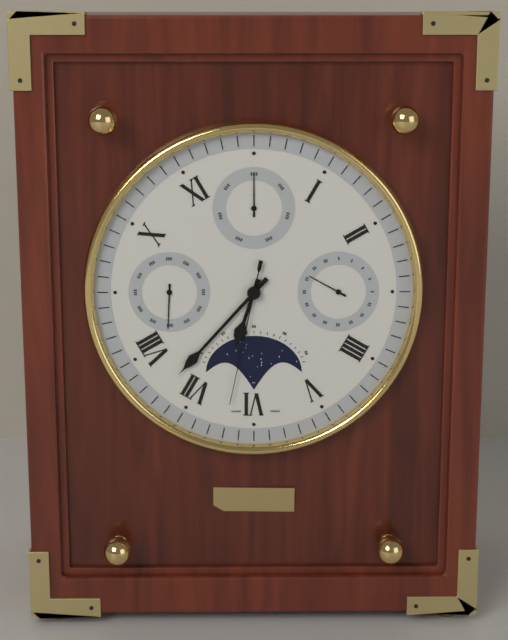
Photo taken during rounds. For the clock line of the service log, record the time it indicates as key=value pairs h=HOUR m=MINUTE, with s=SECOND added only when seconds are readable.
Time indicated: h=6 m=37 s=32
